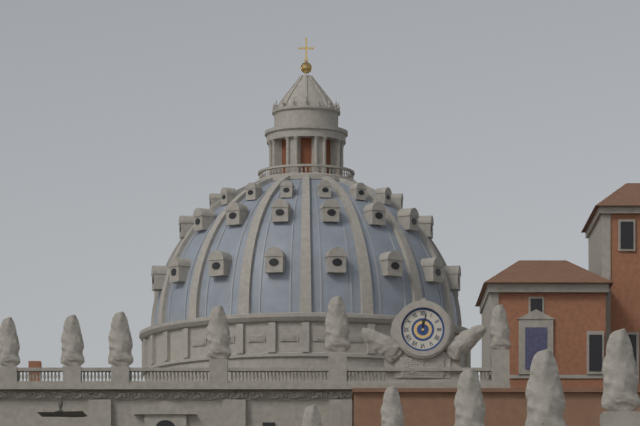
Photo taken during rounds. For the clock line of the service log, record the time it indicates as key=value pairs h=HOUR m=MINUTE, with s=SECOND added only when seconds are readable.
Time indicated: h=12 m=2
